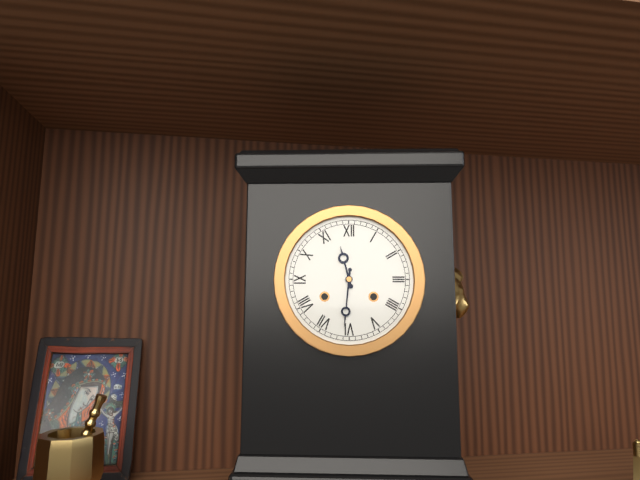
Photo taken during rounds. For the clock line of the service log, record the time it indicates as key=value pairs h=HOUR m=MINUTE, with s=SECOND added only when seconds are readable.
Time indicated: h=11 m=31
